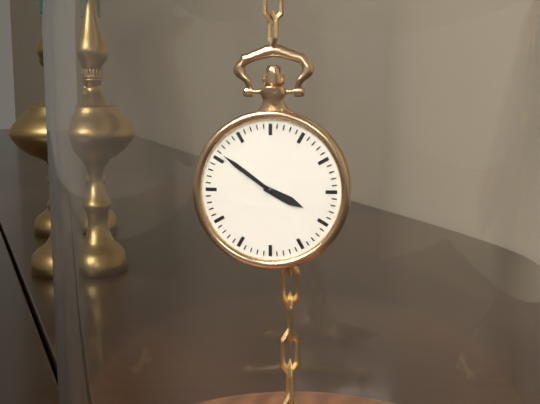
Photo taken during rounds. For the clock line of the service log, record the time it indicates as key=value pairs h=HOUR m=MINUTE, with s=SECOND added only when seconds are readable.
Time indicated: h=3 m=51
